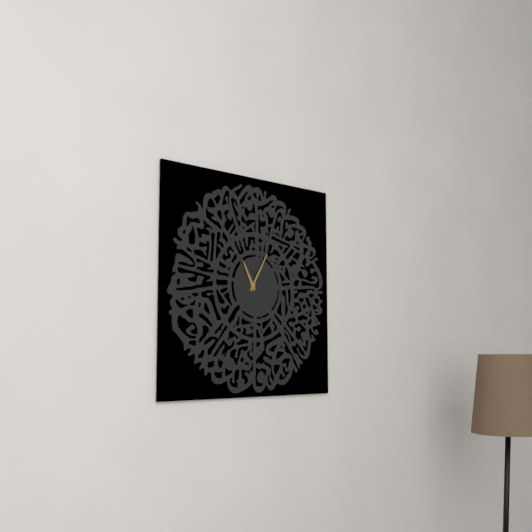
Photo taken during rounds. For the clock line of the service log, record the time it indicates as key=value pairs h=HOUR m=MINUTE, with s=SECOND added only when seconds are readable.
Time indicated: h=11 m=5
